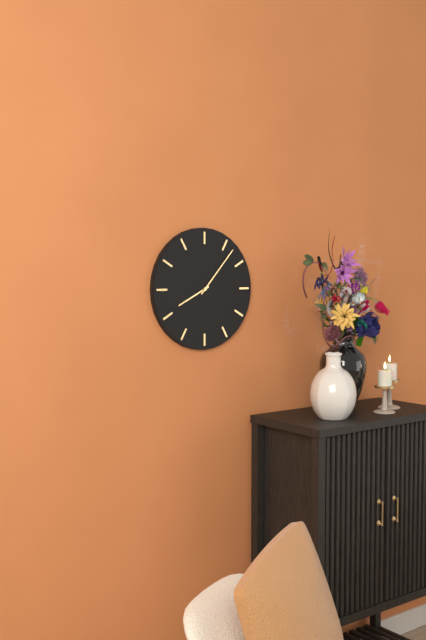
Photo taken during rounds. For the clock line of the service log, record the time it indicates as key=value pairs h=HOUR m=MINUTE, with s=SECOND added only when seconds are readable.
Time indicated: h=8 m=7
